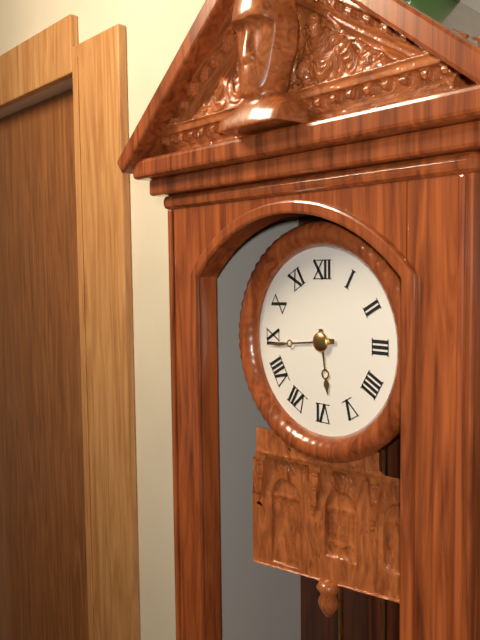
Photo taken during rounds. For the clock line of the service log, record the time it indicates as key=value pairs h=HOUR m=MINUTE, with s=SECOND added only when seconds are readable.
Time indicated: h=5 m=44
